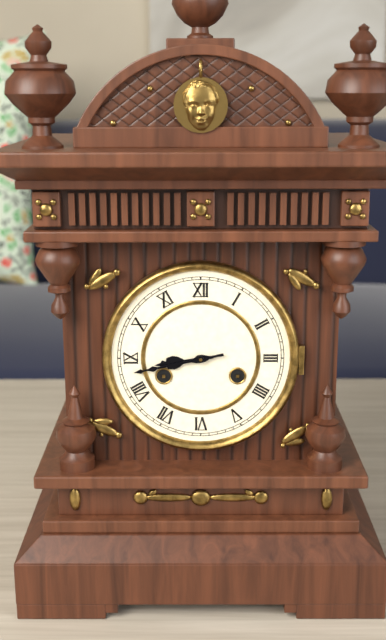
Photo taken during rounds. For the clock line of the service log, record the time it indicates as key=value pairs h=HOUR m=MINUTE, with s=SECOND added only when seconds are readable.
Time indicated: h=8 m=43
